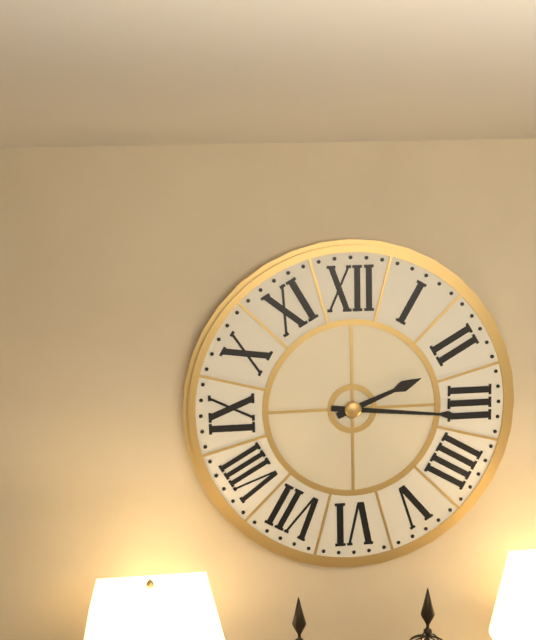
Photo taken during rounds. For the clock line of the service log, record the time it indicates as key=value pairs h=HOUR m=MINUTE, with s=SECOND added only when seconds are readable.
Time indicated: h=2 m=16
